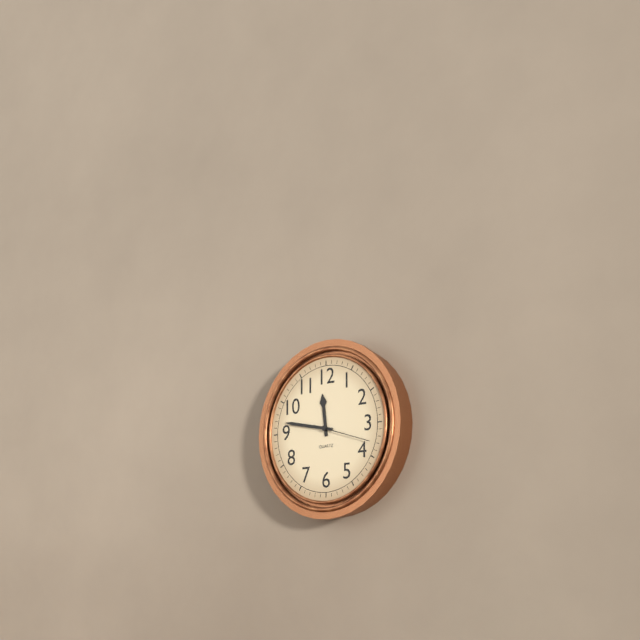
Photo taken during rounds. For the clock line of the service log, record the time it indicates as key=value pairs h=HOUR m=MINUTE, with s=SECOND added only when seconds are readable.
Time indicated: h=11 m=47 s=18
